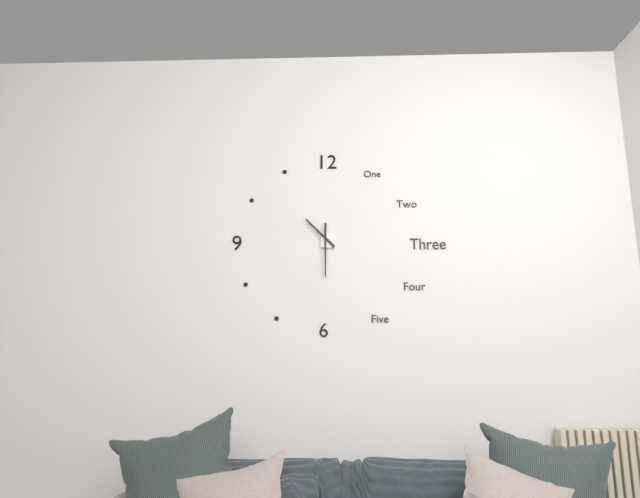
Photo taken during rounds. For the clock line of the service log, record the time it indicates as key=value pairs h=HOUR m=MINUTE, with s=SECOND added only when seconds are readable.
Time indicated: h=10 m=30
